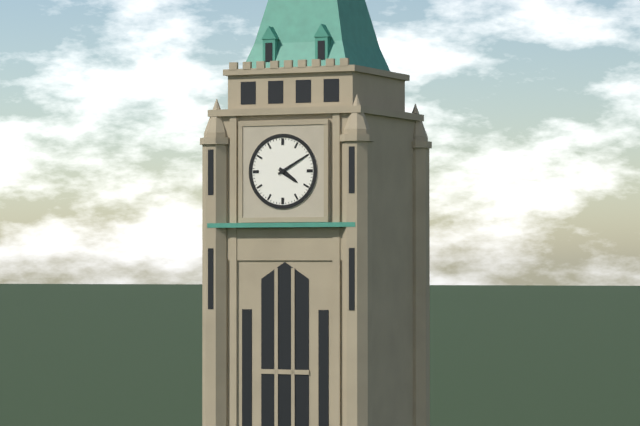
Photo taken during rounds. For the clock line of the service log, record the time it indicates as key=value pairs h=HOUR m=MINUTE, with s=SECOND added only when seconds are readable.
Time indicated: h=4 m=10
